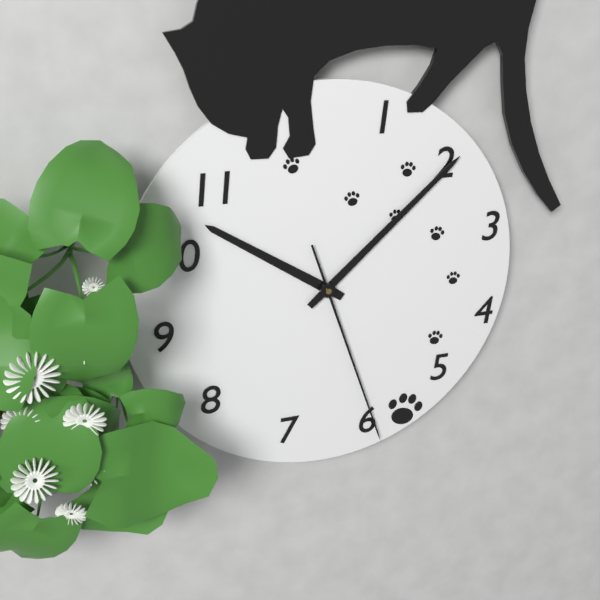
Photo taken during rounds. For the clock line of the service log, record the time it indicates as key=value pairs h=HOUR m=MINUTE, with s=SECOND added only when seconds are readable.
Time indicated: h=10 m=8 s=27
